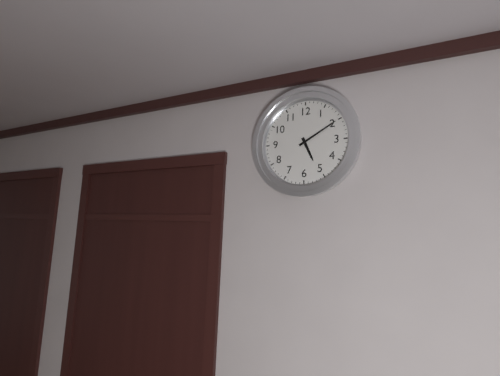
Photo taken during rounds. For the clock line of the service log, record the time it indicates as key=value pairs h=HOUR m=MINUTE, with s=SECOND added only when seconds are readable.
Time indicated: h=5 m=10
